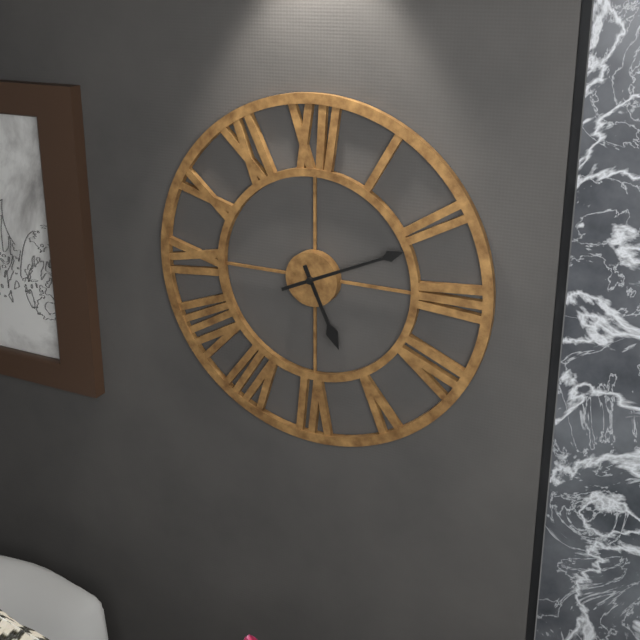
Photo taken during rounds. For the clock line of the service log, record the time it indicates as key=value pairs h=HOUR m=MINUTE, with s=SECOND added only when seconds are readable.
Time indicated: h=5 m=11
